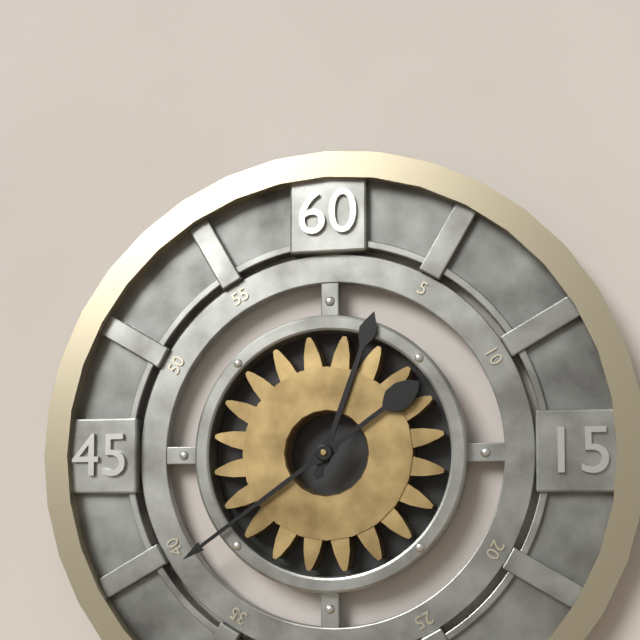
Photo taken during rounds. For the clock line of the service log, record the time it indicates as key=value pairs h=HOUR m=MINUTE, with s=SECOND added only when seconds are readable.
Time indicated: h=12 m=39
